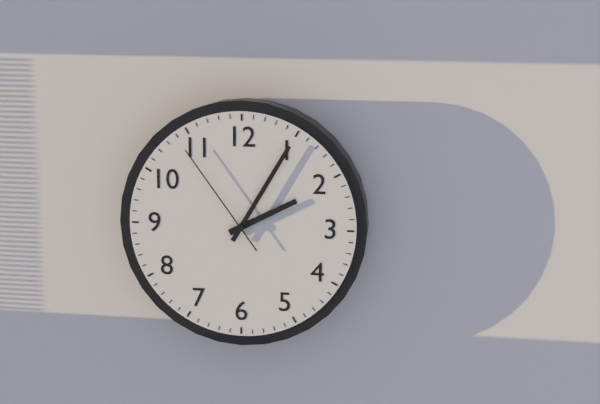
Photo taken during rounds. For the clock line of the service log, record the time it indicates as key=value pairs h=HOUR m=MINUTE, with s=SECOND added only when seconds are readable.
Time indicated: h=2 m=5 s=54
